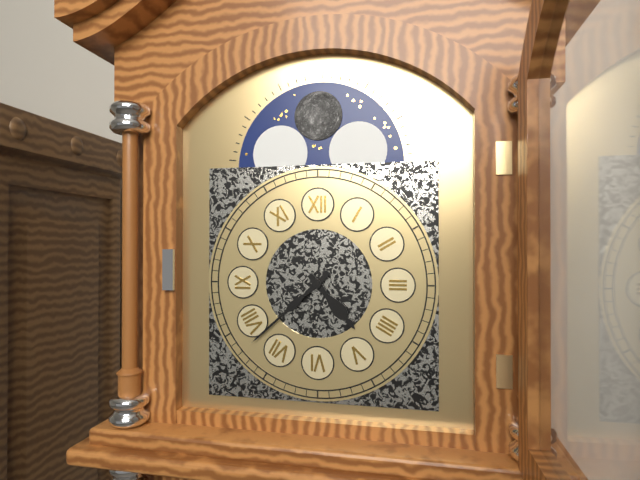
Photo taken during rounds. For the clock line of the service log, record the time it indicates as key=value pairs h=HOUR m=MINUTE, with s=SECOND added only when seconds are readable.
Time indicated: h=4 m=38
